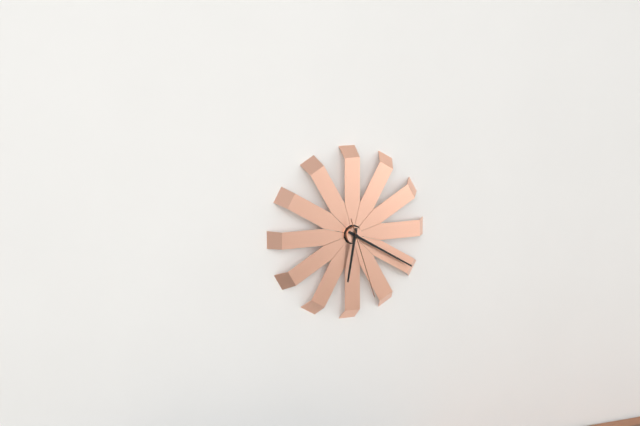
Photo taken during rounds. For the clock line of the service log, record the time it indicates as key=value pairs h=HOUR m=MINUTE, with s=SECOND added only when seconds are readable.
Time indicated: h=6 m=20 s=27
